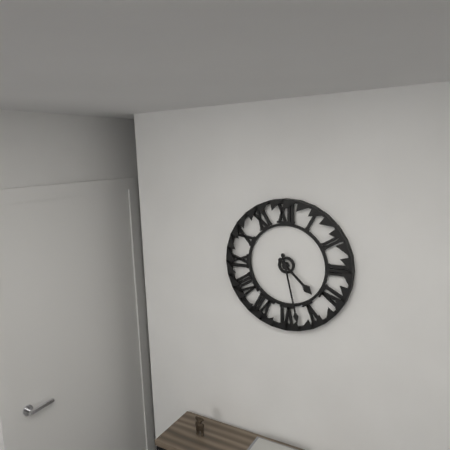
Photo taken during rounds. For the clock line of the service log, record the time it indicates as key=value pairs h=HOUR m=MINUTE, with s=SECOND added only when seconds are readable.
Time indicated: h=4 m=28
